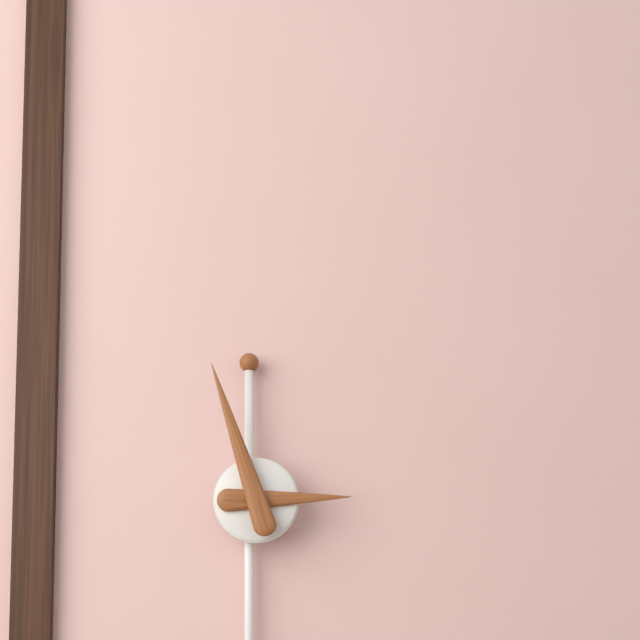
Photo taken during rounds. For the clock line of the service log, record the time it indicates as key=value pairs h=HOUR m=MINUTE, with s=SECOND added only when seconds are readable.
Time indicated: h=2 m=57
